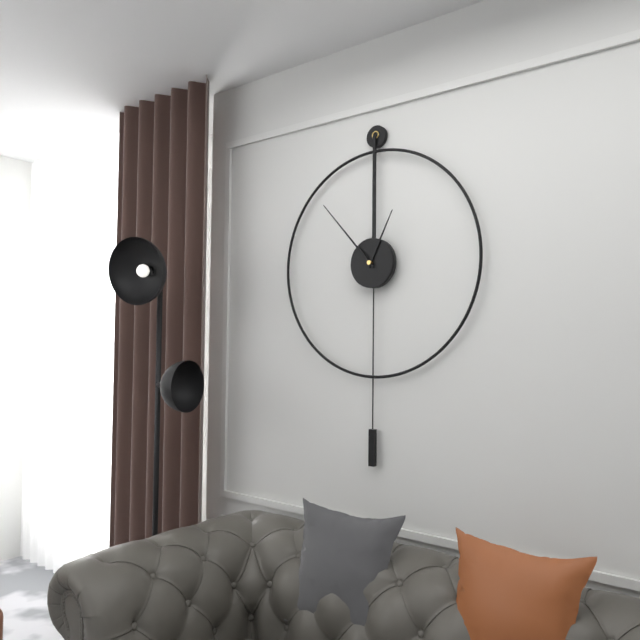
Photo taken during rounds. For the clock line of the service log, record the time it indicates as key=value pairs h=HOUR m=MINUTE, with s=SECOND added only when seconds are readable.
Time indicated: h=12 m=53
